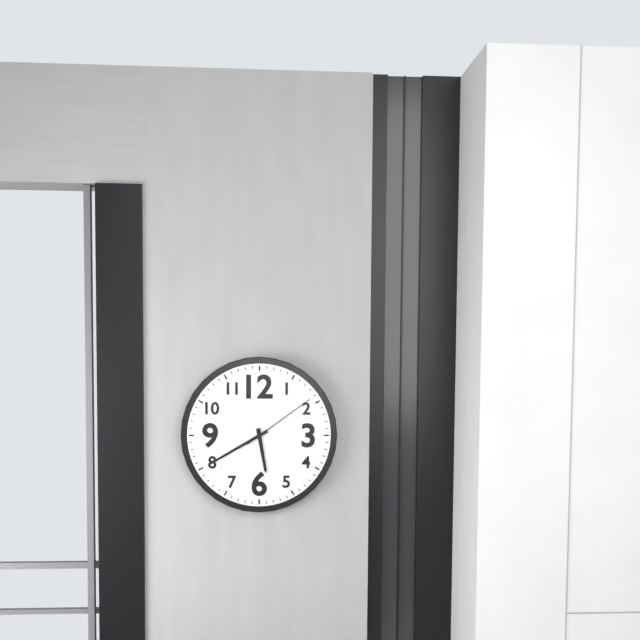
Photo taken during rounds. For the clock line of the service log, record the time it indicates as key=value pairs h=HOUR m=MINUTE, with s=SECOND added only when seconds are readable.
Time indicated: h=5 m=40 s=9
